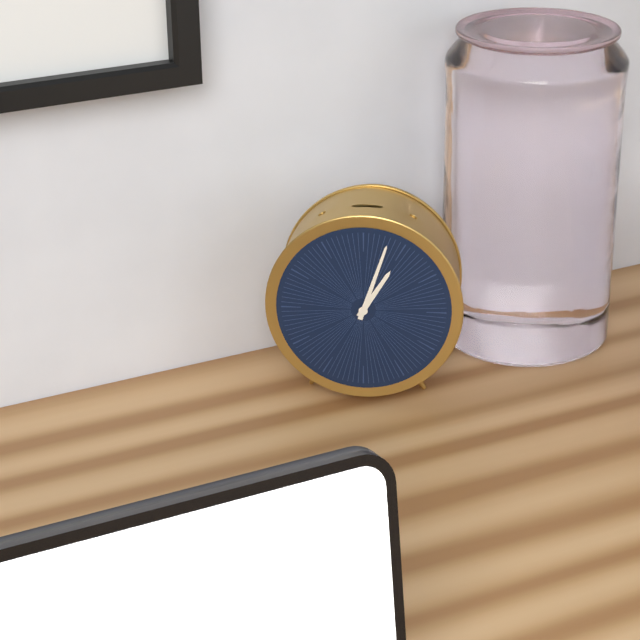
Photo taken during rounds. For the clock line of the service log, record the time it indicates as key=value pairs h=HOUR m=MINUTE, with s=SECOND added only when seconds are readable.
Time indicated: h=1 m=3
